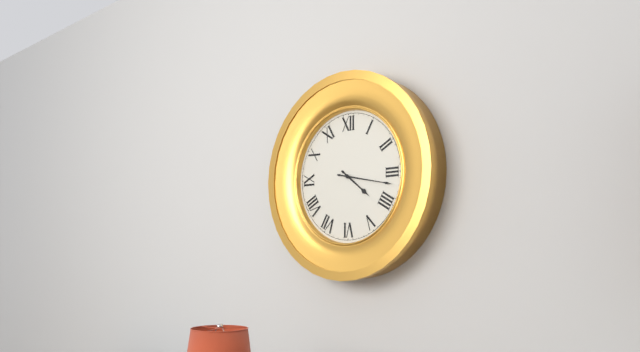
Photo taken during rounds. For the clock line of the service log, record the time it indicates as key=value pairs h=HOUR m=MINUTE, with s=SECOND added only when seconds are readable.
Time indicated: h=4 m=17
